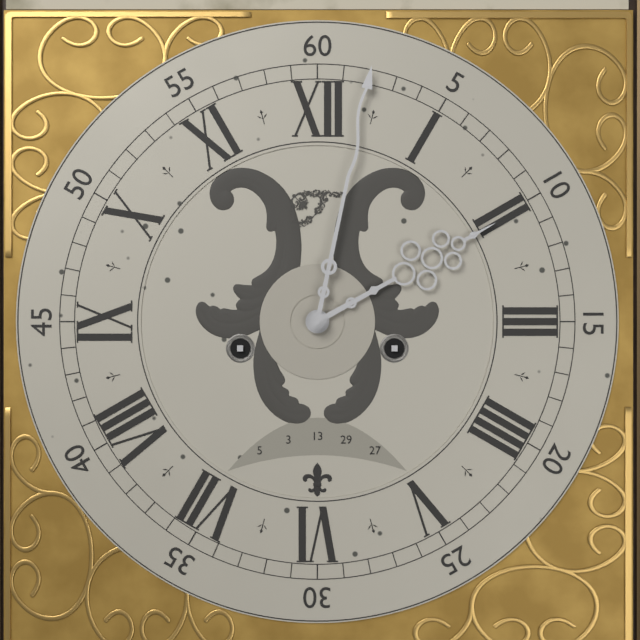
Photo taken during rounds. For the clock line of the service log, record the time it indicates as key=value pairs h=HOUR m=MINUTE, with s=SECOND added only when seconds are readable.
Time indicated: h=2 m=2
